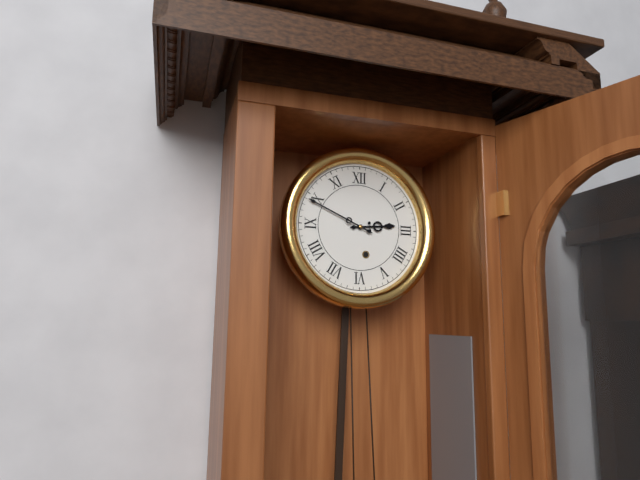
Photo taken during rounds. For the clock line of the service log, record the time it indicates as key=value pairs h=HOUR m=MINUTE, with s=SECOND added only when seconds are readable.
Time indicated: h=2 m=49
